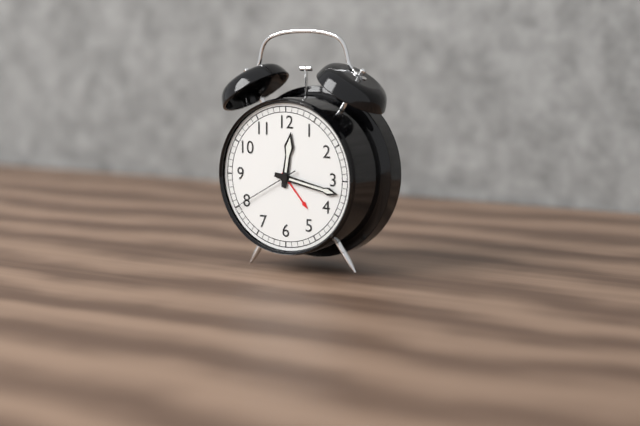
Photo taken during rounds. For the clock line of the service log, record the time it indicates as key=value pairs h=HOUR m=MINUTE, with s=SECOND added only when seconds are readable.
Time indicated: h=12 m=17 s=40
